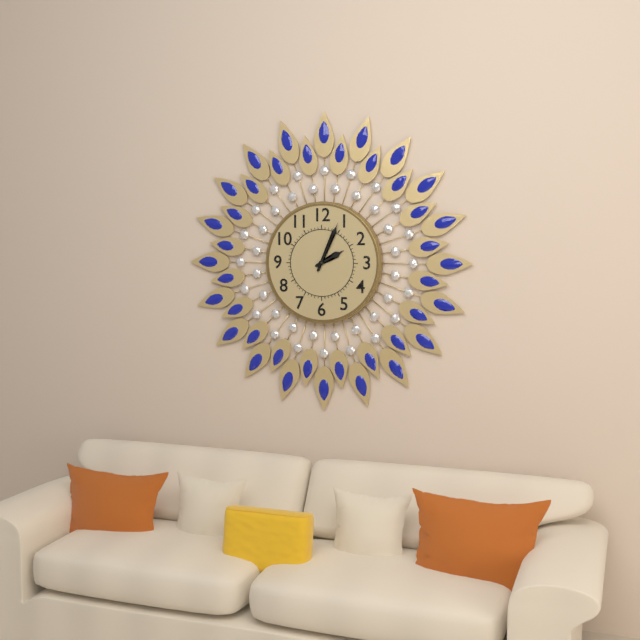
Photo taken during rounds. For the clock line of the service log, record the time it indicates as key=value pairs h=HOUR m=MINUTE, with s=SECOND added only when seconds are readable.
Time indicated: h=2 m=4
